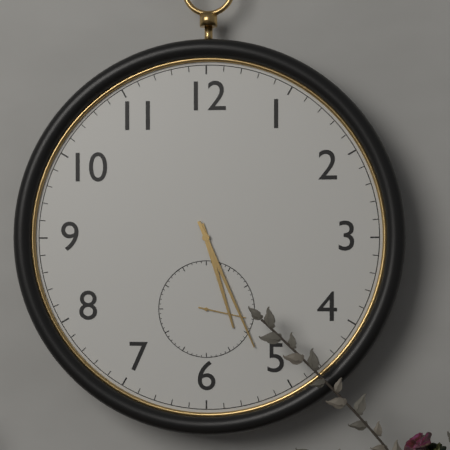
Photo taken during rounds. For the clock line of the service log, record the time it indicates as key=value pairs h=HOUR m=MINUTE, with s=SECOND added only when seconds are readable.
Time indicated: h=5 m=26 s=17
